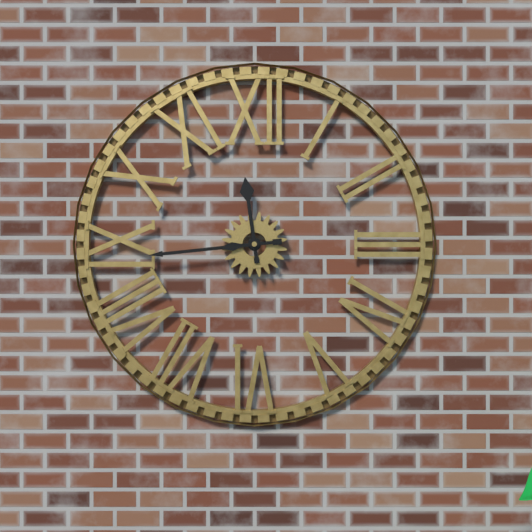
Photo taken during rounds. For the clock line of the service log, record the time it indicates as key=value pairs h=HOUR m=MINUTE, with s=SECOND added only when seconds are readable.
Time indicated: h=11 m=44
